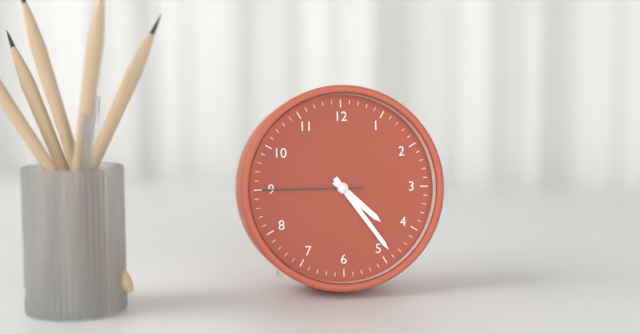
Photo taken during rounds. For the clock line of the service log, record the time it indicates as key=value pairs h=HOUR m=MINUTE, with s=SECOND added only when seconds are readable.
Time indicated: h=4 m=24 s=45
